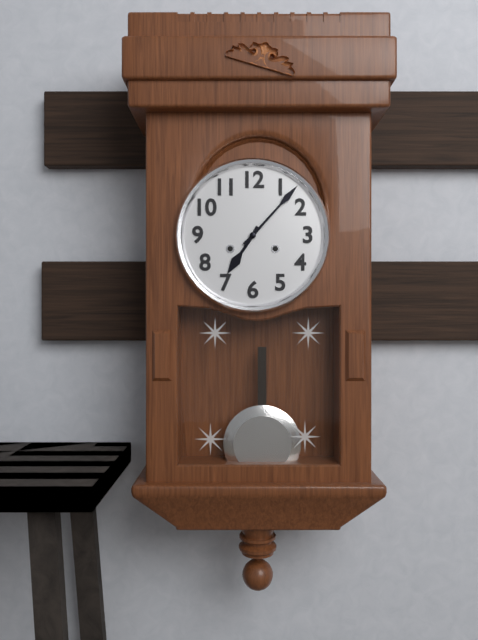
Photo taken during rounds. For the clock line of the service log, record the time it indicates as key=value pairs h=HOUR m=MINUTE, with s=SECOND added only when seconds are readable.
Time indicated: h=7 m=7
